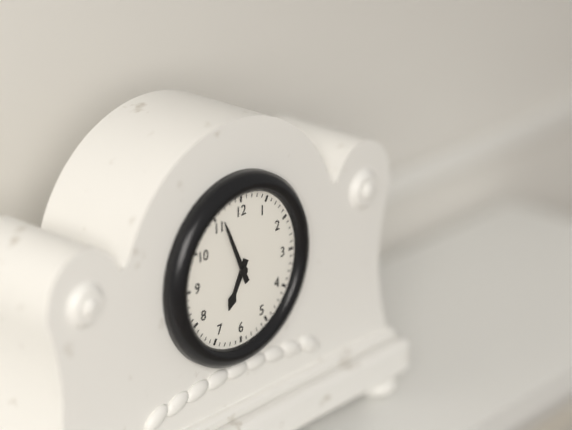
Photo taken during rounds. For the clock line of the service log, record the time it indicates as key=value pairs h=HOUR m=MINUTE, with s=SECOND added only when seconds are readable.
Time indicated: h=6 m=56
